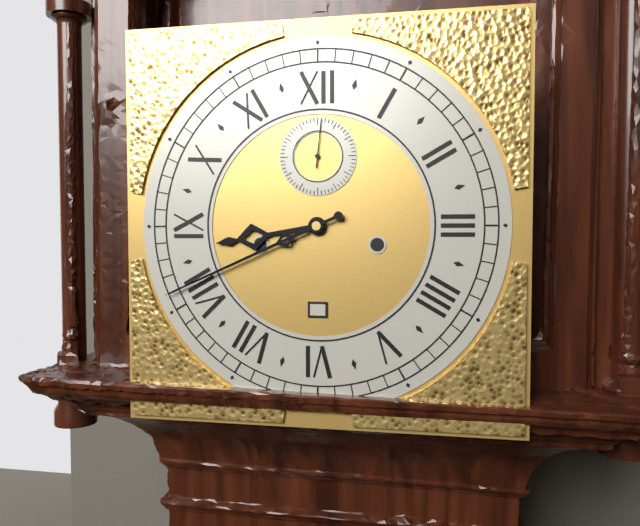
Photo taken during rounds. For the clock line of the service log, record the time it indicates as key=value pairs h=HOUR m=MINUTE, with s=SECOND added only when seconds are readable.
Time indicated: h=8 m=41
